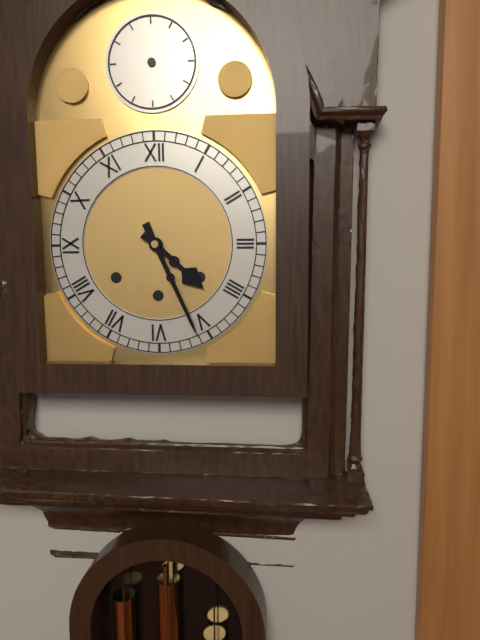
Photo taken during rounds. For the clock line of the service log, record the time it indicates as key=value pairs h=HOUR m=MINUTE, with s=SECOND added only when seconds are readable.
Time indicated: h=4 m=26
